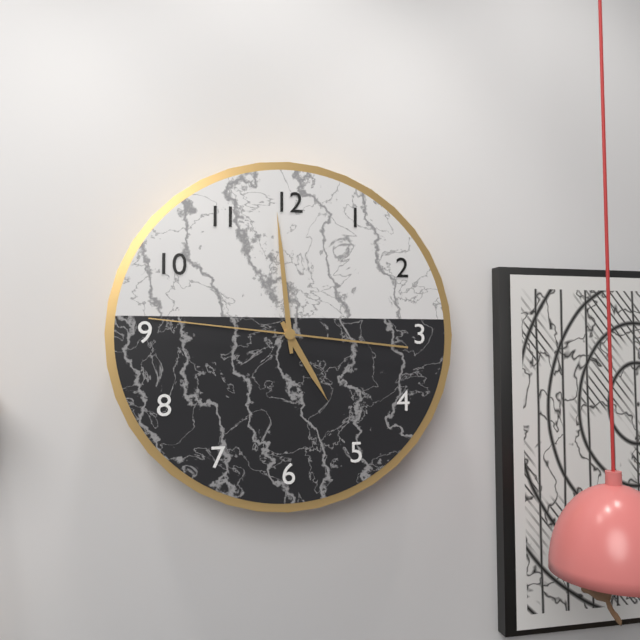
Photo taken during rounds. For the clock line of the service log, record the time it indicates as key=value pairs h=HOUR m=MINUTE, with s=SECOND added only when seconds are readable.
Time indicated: h=4 m=59 s=46
